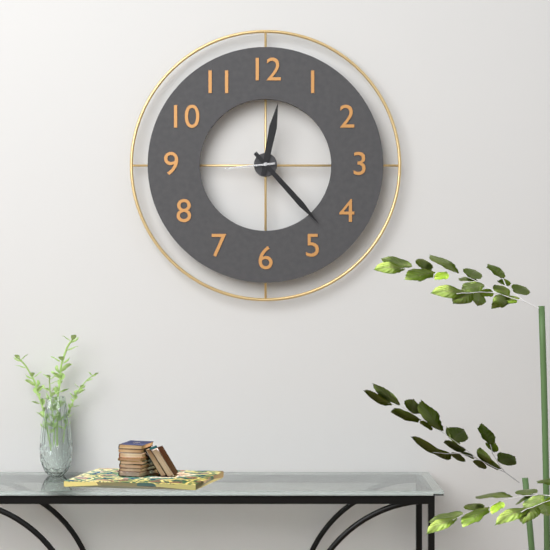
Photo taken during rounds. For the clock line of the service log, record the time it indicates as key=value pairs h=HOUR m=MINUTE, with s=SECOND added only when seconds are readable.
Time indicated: h=12 m=23 s=44
